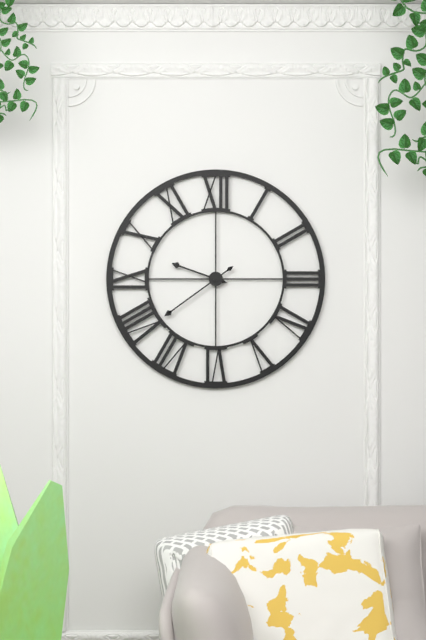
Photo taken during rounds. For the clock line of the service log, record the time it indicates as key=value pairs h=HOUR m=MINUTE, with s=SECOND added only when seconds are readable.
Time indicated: h=9 m=39
